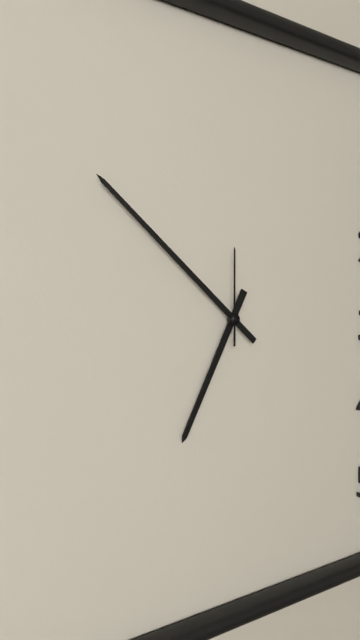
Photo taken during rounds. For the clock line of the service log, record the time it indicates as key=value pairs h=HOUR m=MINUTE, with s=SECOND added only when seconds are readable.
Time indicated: h=6 m=52 s=0
